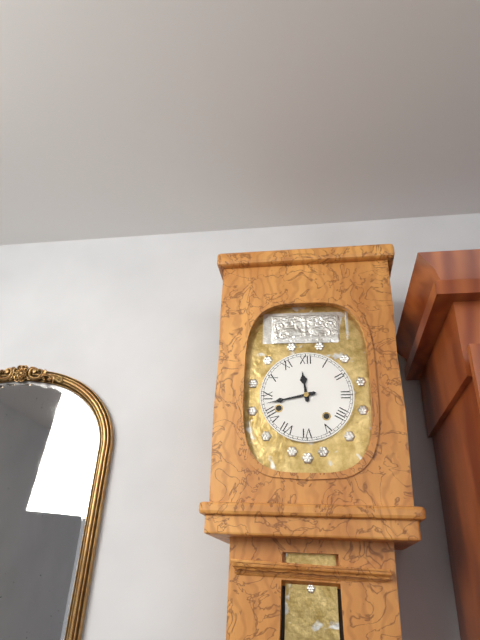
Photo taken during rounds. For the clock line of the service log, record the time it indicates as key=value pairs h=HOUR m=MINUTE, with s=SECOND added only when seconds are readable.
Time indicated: h=11 m=43
